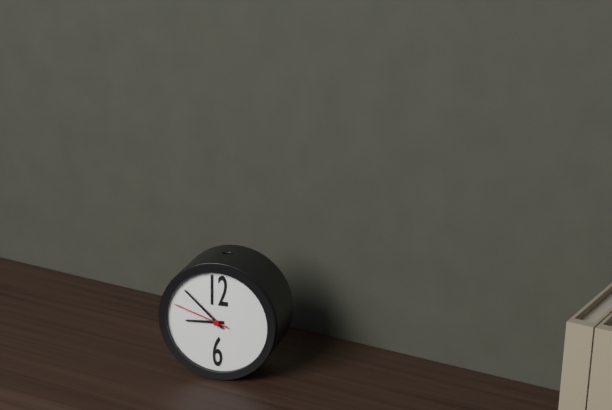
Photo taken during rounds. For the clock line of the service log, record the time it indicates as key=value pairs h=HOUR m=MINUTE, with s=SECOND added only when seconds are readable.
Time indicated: h=8 m=52 s=48
